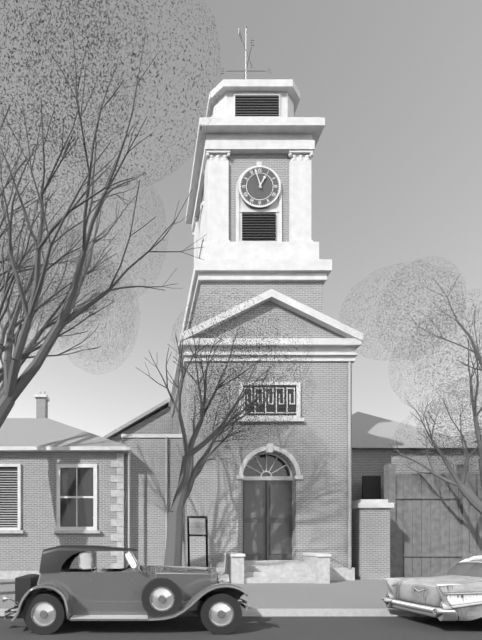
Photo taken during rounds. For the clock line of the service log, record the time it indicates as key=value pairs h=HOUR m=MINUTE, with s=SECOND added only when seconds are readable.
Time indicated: h=12 m=57
